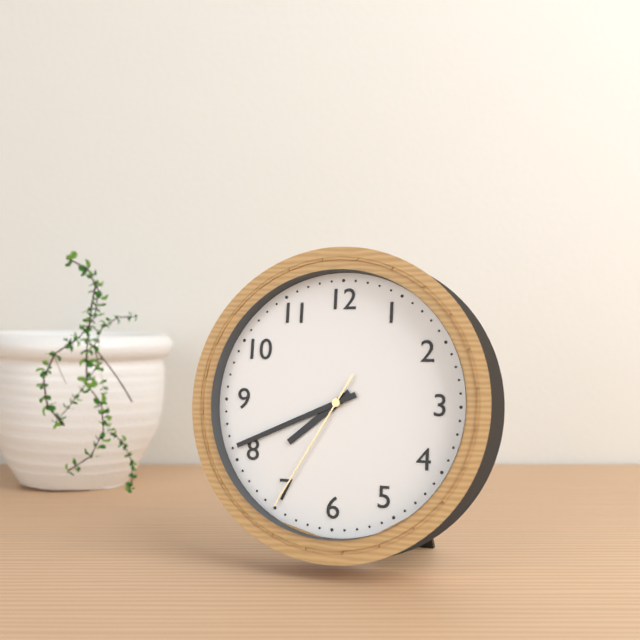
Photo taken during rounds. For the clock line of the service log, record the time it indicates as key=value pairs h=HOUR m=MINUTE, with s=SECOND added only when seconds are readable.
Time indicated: h=7 m=41 s=35
